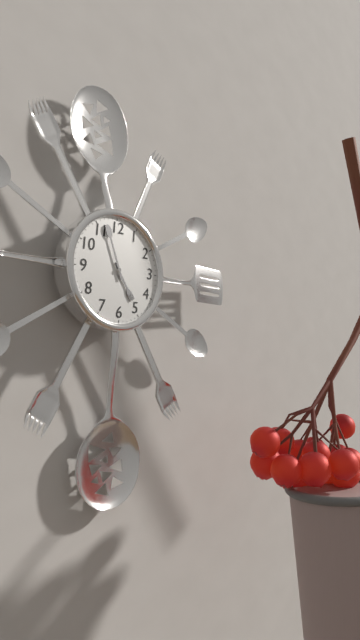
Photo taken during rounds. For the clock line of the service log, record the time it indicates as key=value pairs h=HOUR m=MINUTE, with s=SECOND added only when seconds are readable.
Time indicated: h=4 m=57
